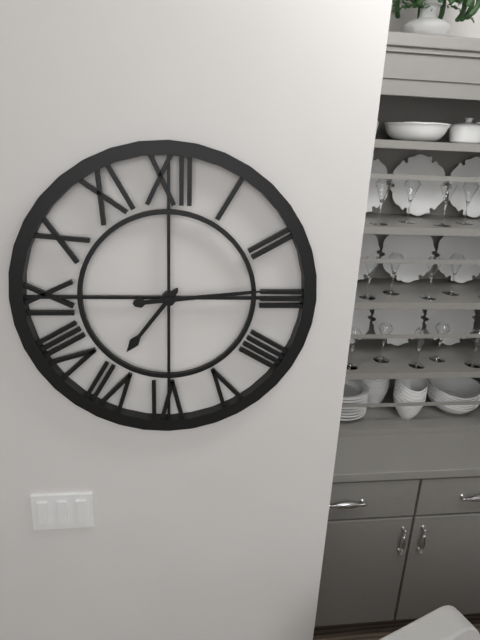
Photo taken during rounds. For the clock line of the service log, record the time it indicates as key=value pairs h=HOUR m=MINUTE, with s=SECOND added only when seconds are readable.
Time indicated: h=7 m=14
